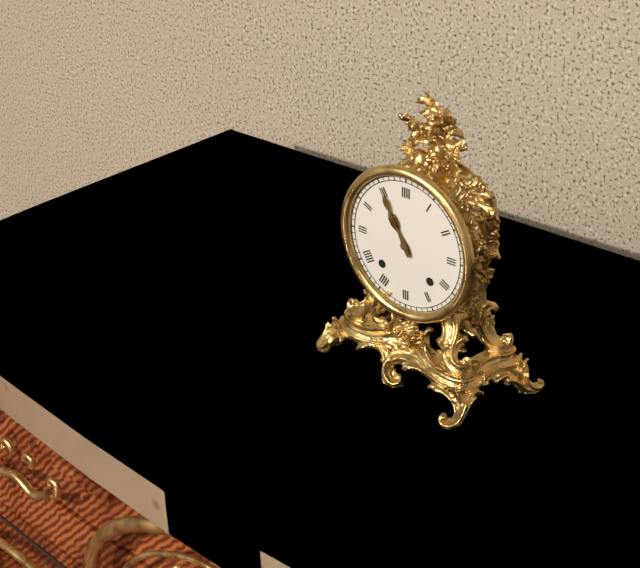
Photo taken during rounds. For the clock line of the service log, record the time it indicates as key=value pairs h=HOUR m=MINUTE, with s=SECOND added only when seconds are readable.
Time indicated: h=10 m=55
